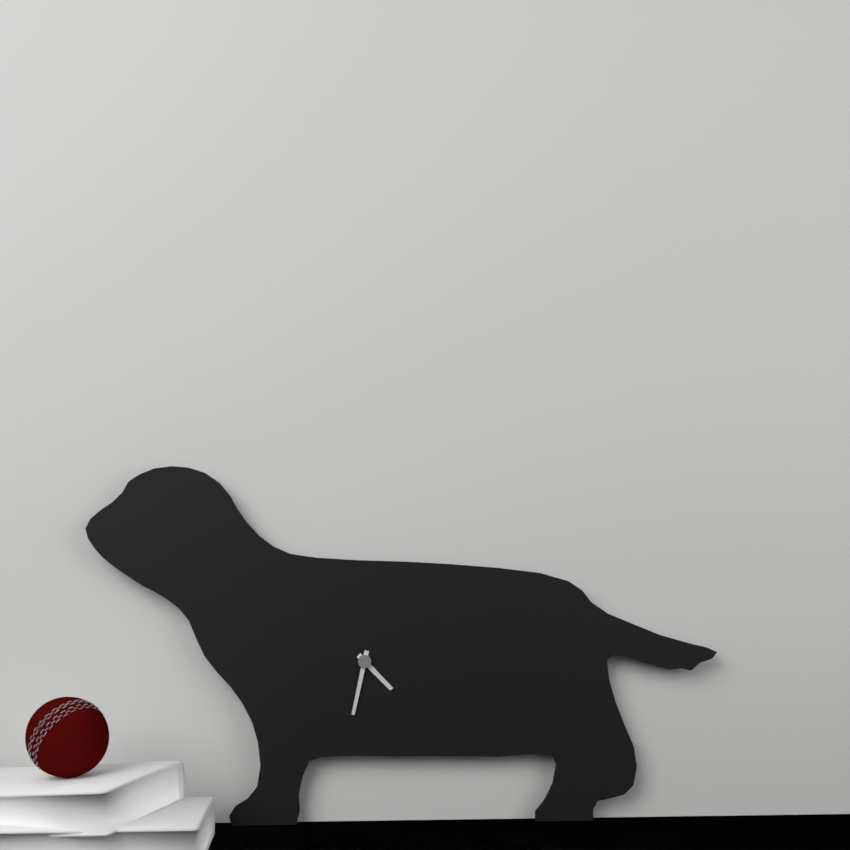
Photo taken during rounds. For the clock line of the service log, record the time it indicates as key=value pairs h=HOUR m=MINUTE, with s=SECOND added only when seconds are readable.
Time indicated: h=4 m=32
